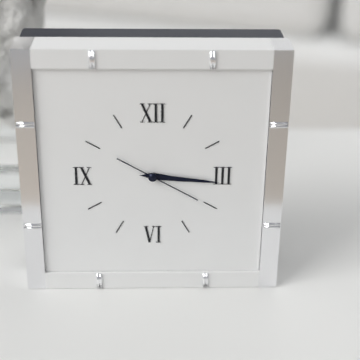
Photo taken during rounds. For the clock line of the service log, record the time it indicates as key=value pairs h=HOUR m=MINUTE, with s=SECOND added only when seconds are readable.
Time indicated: h=3 m=16 s=20
